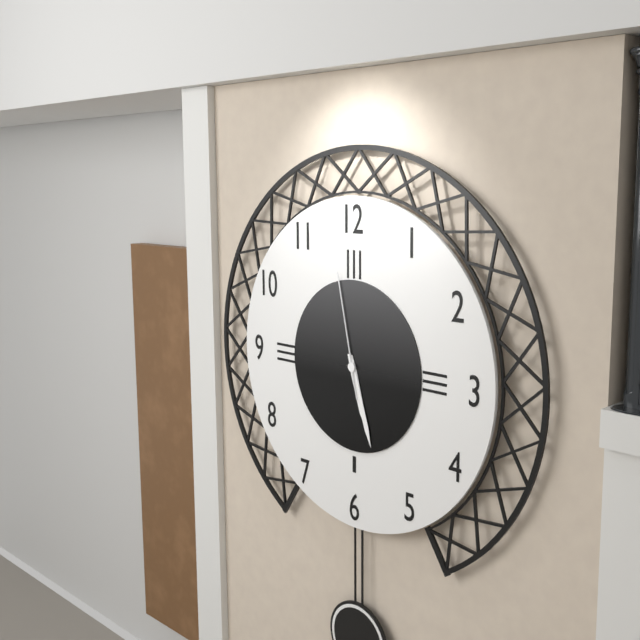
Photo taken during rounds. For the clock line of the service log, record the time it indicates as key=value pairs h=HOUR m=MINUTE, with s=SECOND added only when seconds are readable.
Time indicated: h=5 m=27 s=58
